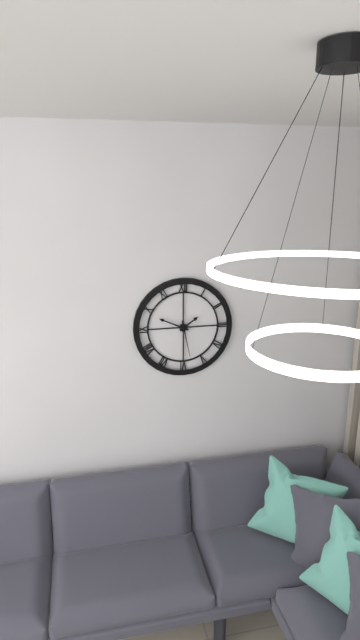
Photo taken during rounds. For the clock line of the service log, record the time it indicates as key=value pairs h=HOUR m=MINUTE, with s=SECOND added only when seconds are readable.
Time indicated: h=1 m=49
